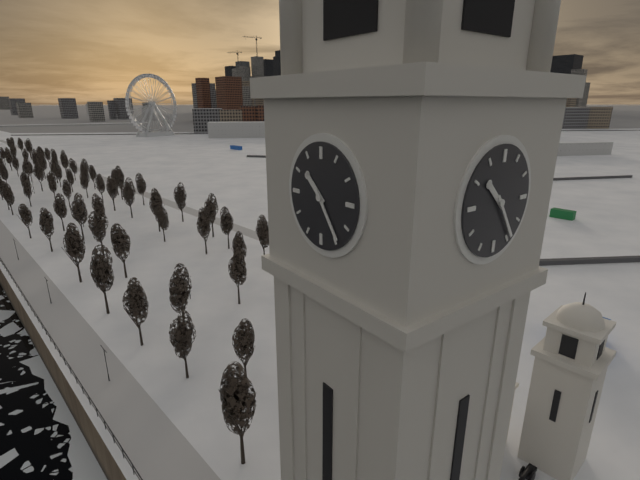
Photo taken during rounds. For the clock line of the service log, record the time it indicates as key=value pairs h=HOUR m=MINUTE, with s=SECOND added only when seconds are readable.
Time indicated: h=10 m=24
